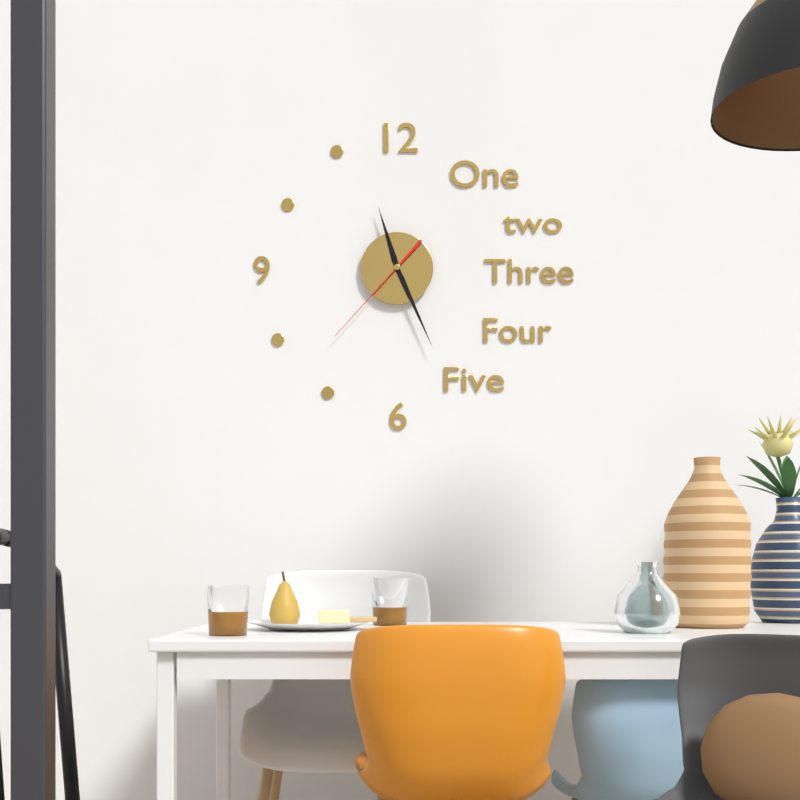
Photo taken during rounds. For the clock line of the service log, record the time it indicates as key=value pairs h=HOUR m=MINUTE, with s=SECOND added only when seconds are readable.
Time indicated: h=11 m=26 s=37
